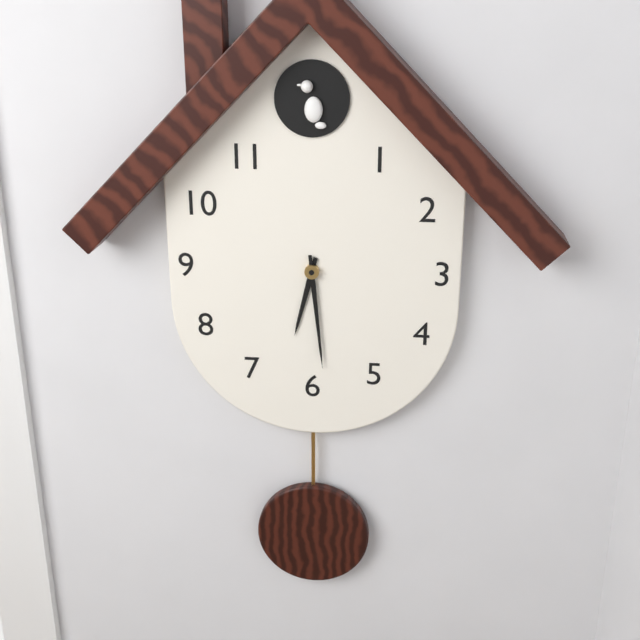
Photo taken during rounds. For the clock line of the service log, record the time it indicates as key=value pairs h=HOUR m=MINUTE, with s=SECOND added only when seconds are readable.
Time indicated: h=6 m=29
